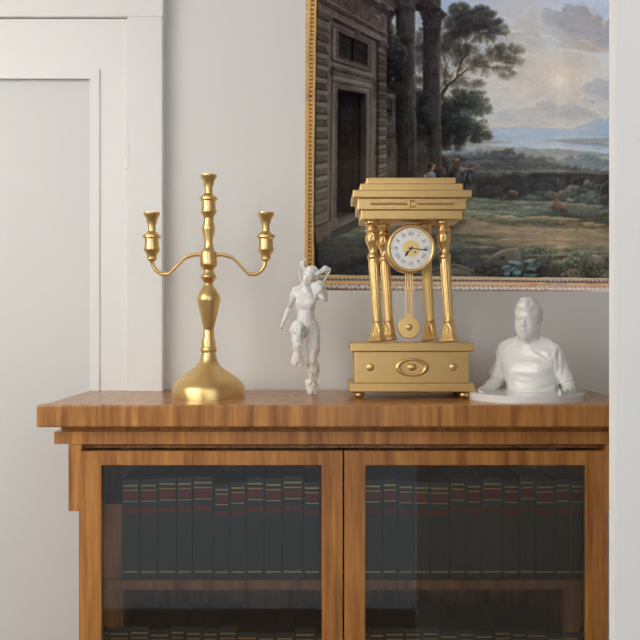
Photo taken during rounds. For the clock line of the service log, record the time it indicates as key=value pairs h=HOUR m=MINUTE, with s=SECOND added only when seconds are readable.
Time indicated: h=7 m=16
